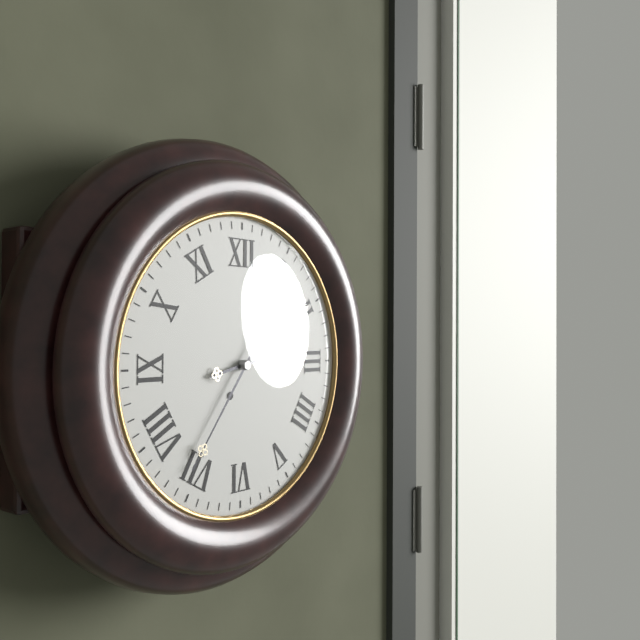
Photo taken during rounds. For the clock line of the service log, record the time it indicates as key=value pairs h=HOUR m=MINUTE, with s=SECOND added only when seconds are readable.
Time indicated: h=2 m=36
